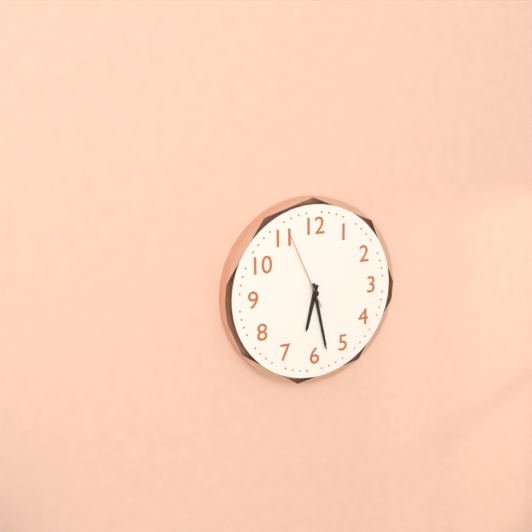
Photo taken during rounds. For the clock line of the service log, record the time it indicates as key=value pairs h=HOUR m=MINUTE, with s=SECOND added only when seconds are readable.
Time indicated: h=6 m=28 s=56
